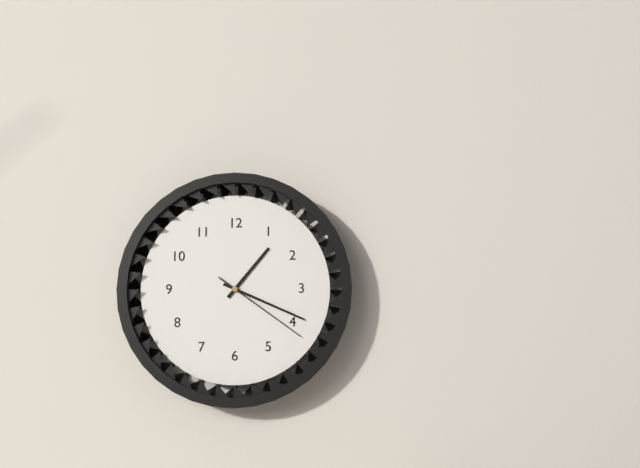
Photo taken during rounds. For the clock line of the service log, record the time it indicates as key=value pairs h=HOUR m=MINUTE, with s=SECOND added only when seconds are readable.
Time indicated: h=1 m=19 s=21
